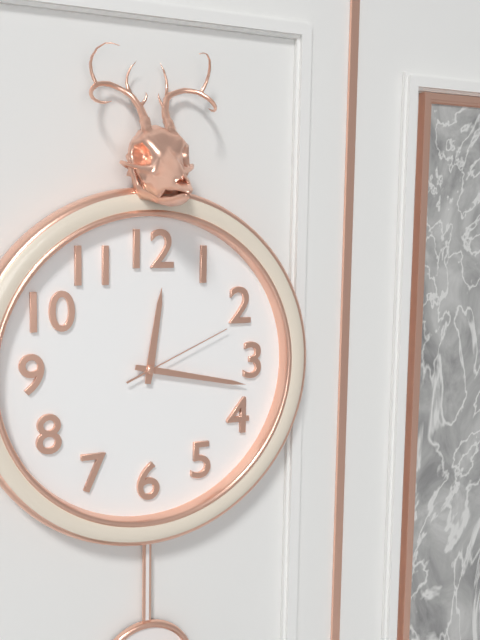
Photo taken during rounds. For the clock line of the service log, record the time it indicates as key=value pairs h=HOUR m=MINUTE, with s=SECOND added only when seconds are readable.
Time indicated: h=12 m=17 s=11
